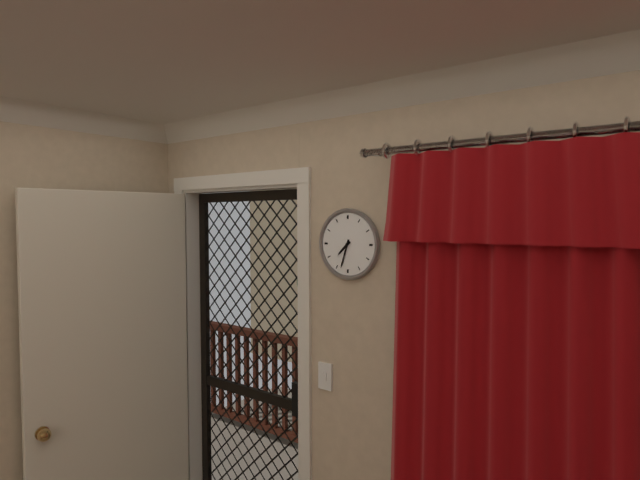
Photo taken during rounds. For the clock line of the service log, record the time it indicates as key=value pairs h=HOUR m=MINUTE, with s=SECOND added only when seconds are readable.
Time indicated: h=7 m=33
